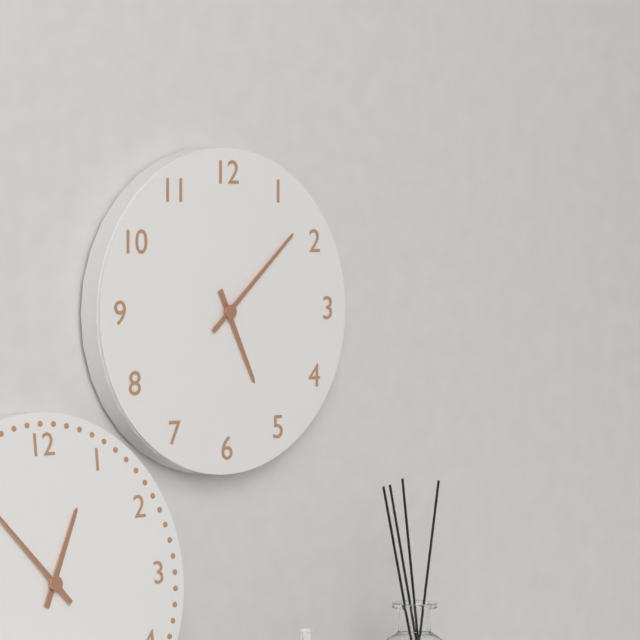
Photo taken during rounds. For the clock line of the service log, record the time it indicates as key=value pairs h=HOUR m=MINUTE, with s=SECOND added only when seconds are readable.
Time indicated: h=5 m=8
